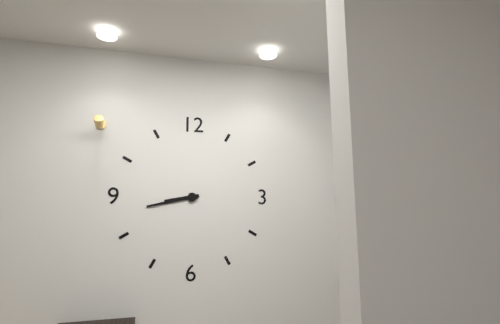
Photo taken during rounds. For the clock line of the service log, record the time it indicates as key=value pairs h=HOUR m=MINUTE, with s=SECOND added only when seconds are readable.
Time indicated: h=8 m=43
